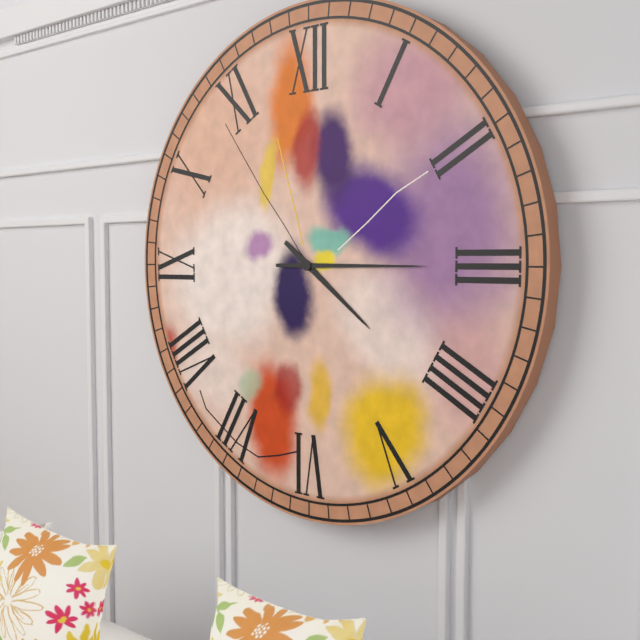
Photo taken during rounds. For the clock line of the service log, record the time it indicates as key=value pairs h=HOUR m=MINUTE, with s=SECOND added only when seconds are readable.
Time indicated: h=4 m=15
